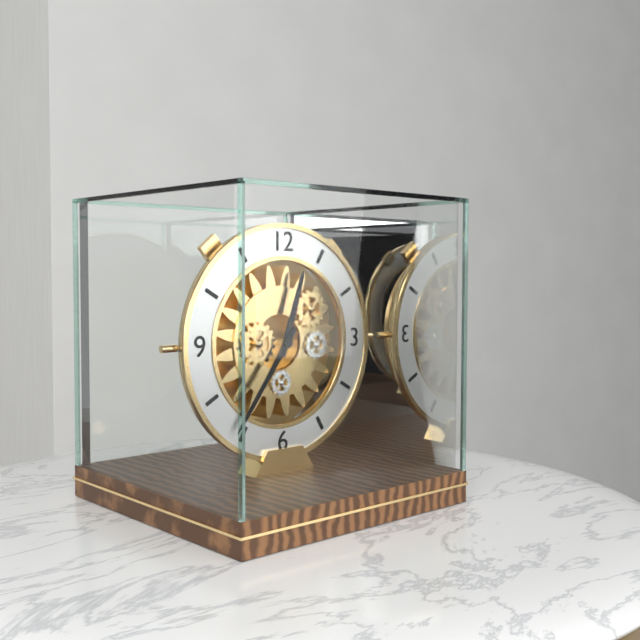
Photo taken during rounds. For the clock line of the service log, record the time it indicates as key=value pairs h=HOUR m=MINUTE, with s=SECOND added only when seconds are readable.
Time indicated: h=12 m=36
